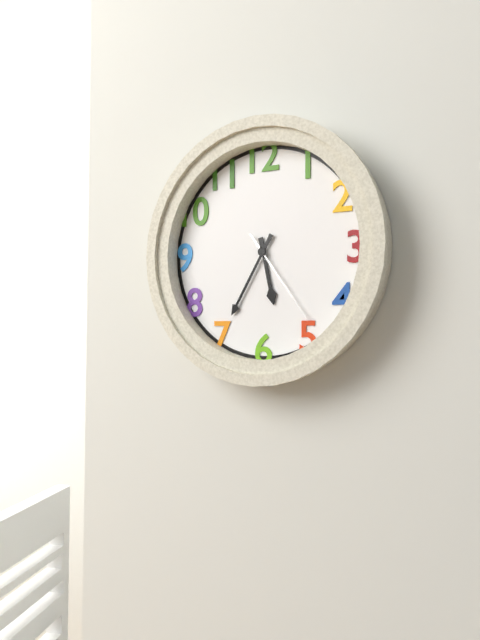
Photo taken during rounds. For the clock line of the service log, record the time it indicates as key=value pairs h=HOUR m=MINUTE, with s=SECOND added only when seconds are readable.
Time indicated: h=5 m=35 s=24
